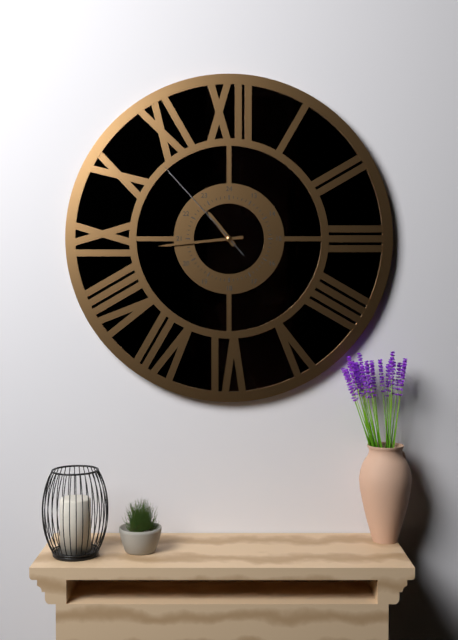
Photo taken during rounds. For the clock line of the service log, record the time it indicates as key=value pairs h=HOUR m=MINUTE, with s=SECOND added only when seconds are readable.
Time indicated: h=10 m=44 s=53
